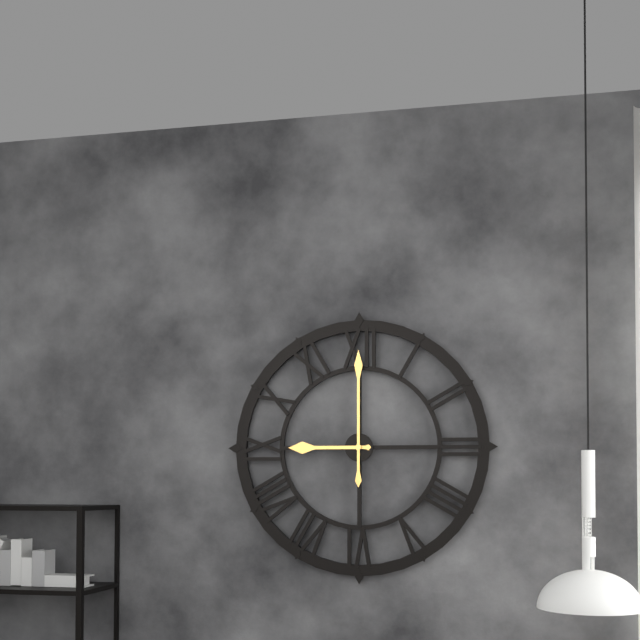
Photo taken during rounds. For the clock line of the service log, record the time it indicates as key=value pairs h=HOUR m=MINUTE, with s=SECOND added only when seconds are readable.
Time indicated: h=9 m=0
